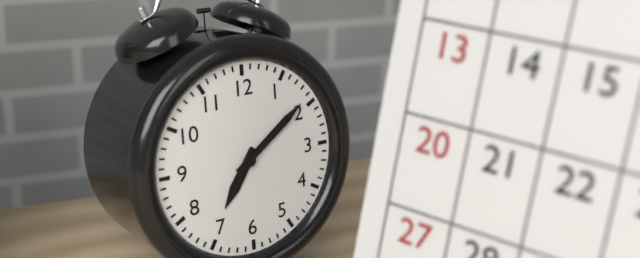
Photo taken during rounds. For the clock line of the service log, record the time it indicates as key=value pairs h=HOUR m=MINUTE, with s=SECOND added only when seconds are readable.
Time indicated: h=7 m=9
